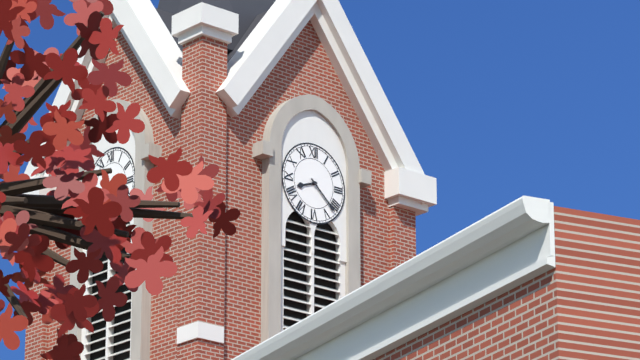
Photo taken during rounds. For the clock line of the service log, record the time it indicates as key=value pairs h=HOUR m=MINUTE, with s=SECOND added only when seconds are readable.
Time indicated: h=8 m=22
